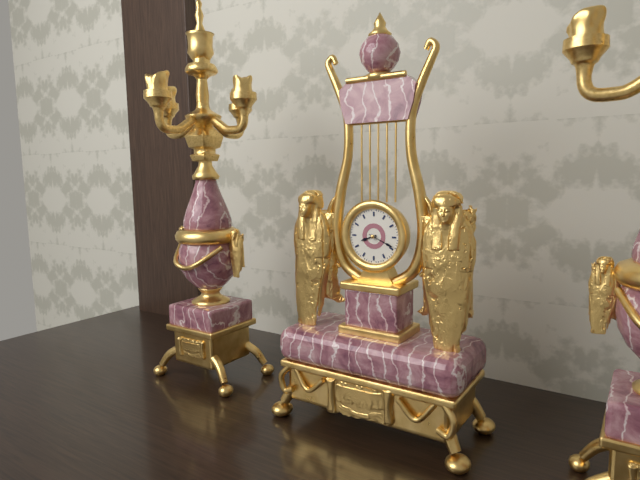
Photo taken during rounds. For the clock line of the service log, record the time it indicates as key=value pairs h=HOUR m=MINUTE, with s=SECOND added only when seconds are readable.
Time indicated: h=8 m=19
